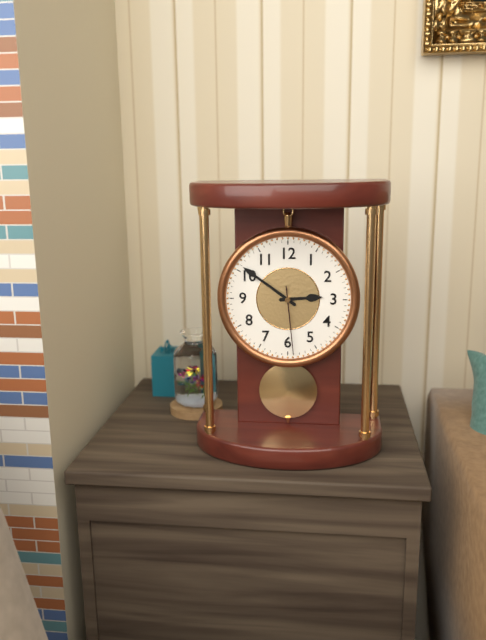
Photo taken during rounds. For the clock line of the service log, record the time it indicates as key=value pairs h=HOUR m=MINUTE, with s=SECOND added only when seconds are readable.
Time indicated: h=2 m=51 s=29
